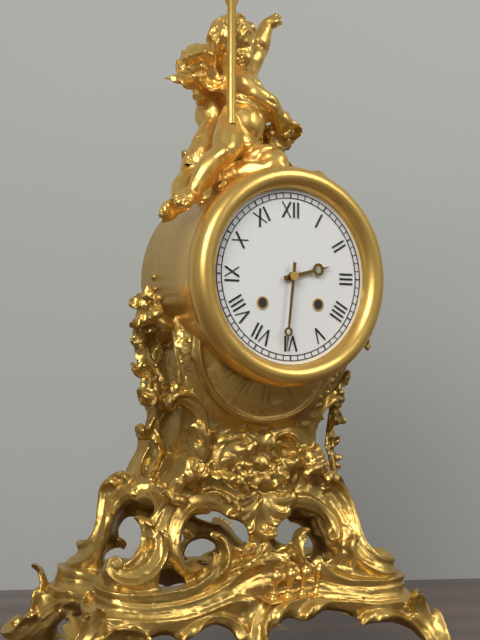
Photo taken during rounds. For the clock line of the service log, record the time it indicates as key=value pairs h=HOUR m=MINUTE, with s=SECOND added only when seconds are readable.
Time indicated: h=2 m=31
